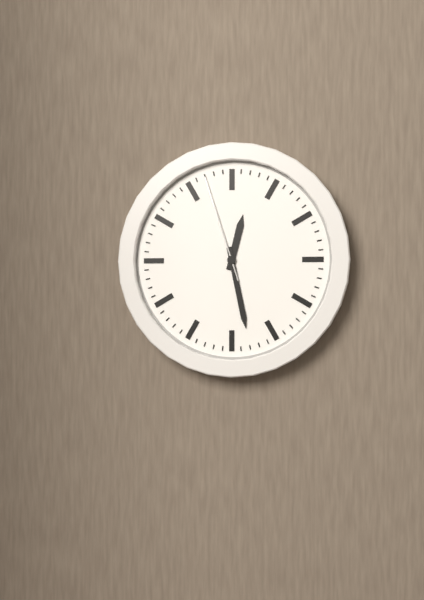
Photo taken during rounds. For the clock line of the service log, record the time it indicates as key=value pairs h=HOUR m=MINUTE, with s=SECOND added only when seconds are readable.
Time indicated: h=12 m=28 s=57
